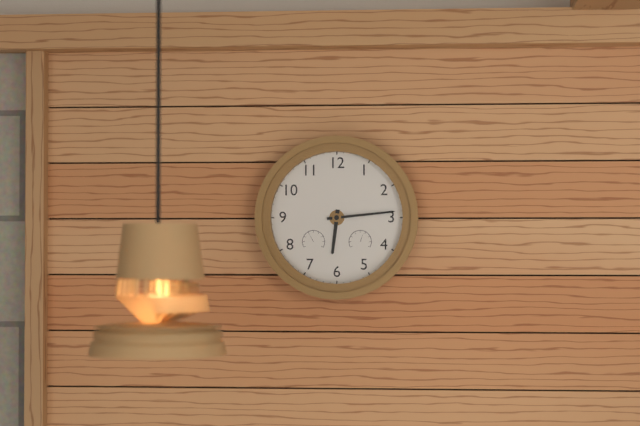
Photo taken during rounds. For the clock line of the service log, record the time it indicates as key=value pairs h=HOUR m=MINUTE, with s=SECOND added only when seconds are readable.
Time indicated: h=6 m=14
